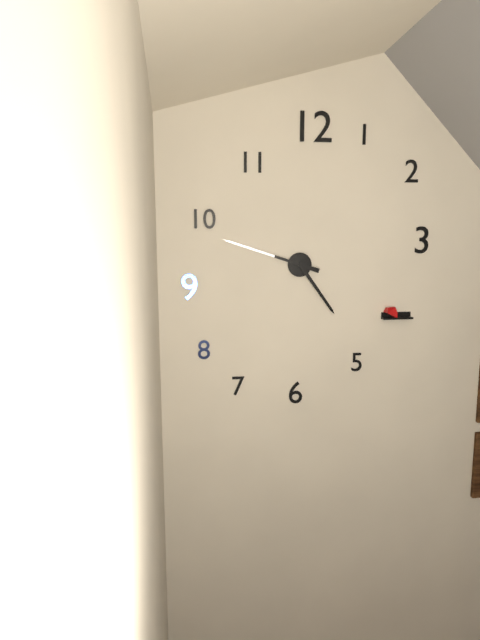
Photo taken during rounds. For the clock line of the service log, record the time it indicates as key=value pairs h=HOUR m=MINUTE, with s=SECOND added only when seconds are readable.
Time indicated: h=4 m=48
